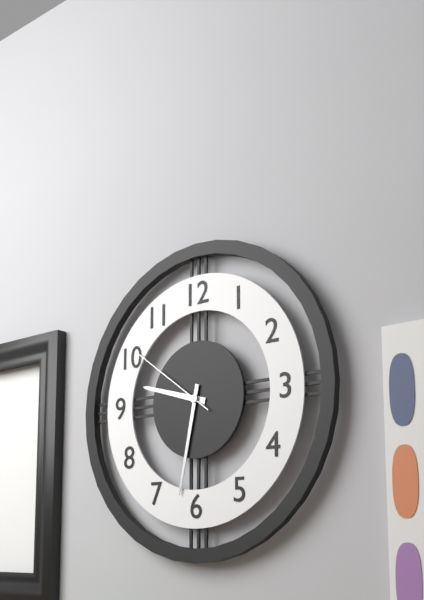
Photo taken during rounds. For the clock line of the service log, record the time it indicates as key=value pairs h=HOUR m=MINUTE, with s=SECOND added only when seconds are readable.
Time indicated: h=9 m=32 s=51
